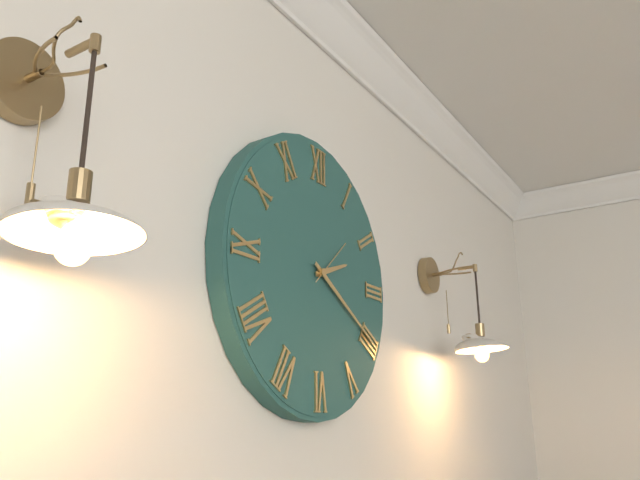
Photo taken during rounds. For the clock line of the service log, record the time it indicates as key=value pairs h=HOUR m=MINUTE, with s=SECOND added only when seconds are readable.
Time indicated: h=2 m=20 s=8
